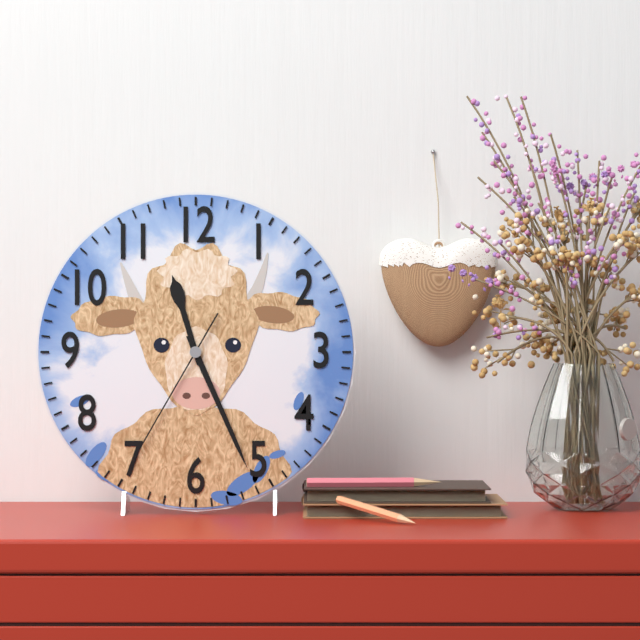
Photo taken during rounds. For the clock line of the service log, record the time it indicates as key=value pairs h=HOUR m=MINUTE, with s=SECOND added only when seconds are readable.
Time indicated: h=11 m=26 s=35
